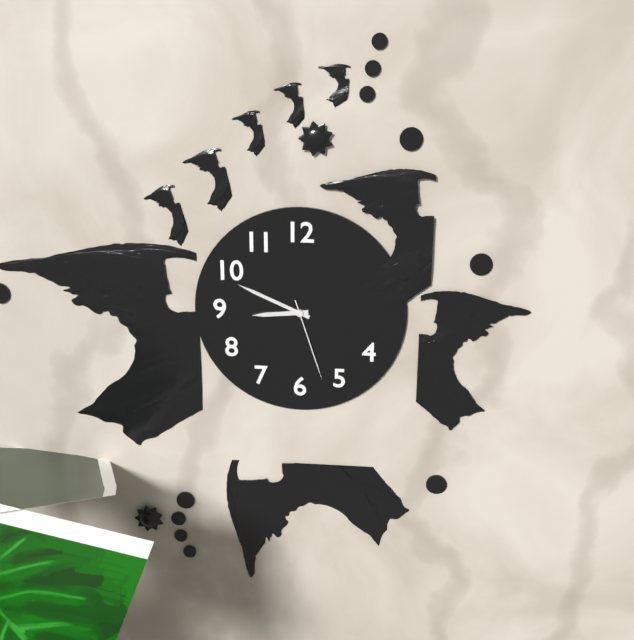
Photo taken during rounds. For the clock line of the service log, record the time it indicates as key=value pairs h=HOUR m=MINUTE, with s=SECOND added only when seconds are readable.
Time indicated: h=8 m=49 s=27
